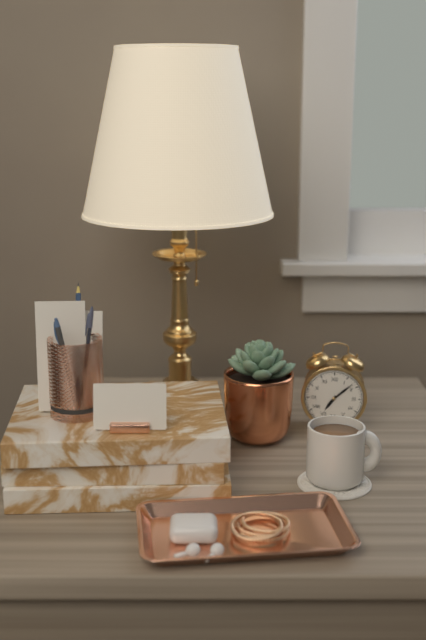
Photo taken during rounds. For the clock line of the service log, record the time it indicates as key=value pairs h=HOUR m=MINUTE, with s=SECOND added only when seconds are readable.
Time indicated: h=7 m=8
